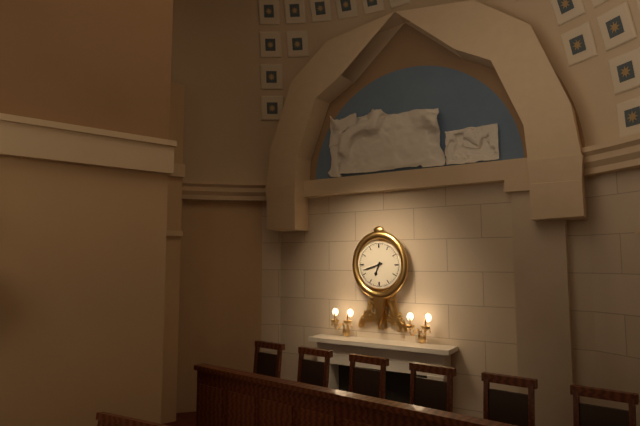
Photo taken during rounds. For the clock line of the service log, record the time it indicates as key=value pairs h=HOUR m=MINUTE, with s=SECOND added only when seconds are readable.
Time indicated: h=6 m=42
